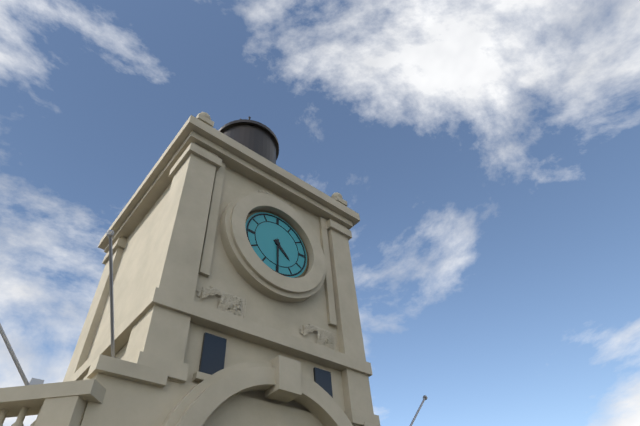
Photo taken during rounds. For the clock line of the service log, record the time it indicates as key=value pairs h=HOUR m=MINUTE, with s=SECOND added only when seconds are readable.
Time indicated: h=4 m=30
